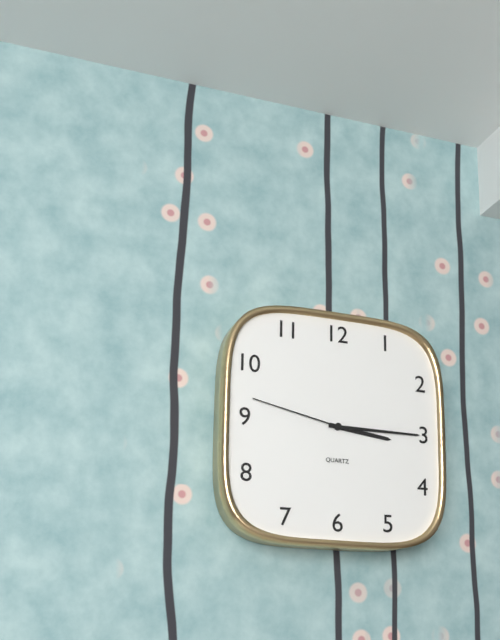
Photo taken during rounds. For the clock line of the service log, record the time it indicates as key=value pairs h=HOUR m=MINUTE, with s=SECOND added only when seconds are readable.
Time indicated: h=3 m=15 s=47
